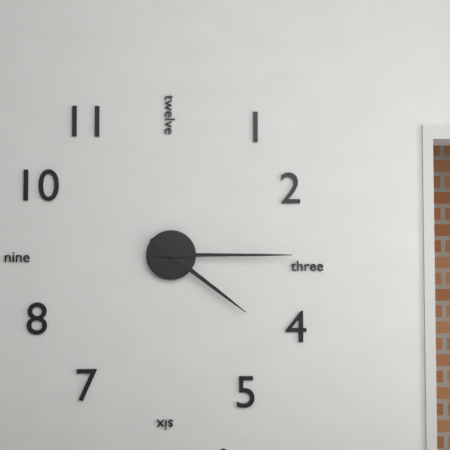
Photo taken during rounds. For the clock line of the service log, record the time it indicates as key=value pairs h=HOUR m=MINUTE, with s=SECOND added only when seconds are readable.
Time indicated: h=4 m=15
